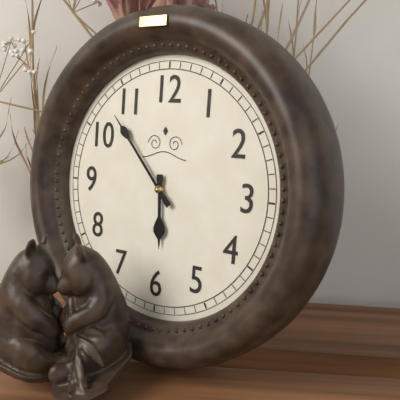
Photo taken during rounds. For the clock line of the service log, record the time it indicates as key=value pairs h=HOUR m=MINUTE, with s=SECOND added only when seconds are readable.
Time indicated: h=5 m=53
